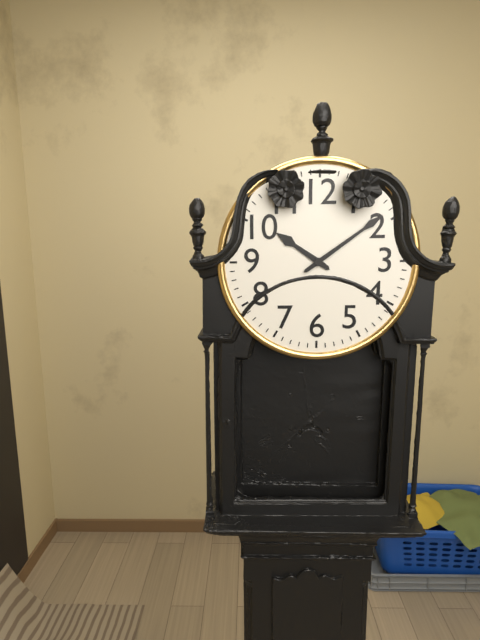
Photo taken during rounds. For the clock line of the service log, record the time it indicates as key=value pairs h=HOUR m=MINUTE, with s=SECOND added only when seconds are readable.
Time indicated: h=10 m=9
